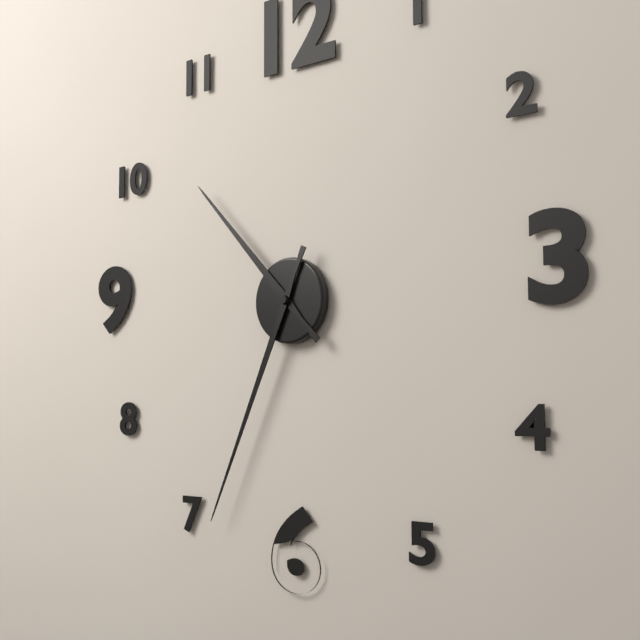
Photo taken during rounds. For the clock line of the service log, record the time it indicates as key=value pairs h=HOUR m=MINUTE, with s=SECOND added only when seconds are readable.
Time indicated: h=10 m=34
